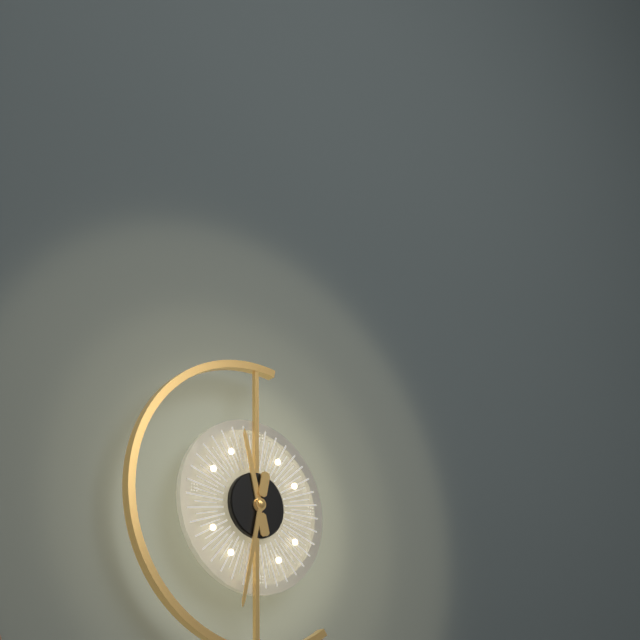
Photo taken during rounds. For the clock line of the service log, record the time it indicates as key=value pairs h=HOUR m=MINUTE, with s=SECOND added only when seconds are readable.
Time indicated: h=11 m=32
